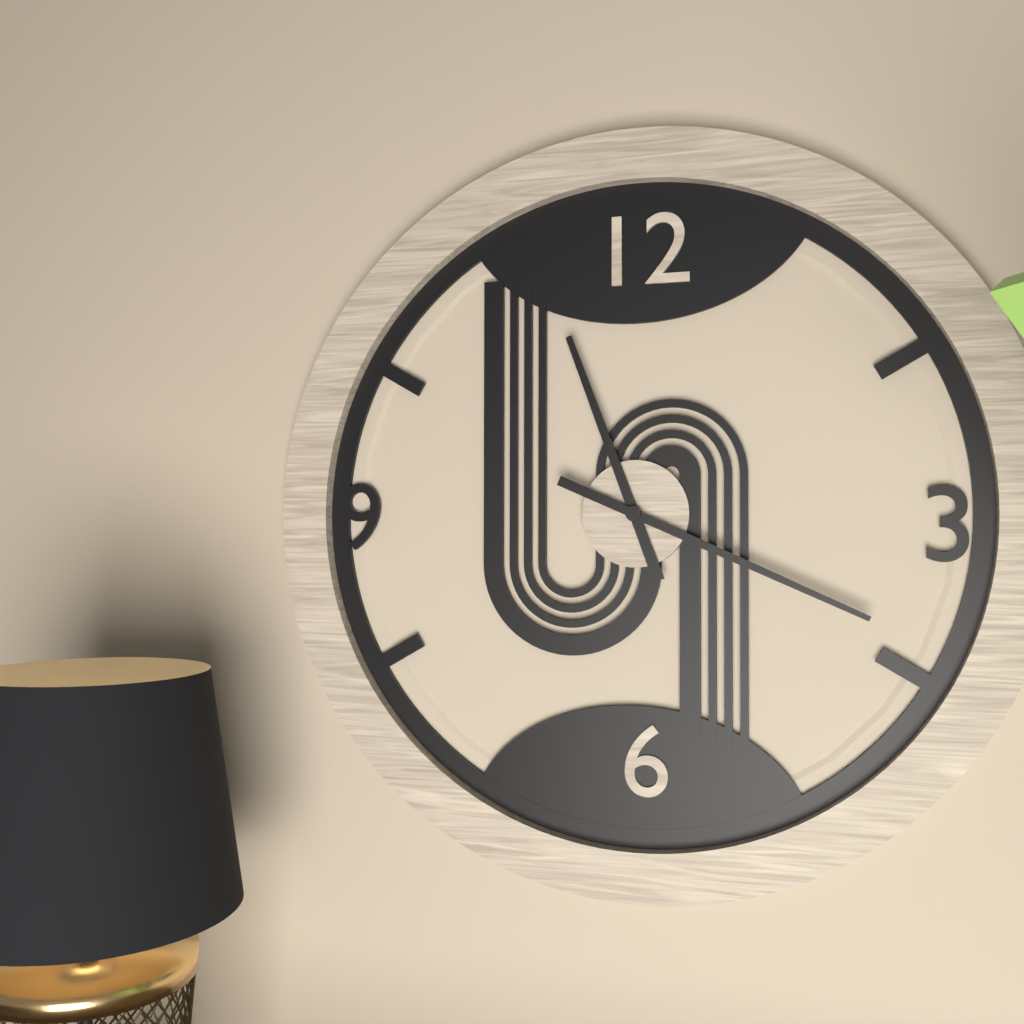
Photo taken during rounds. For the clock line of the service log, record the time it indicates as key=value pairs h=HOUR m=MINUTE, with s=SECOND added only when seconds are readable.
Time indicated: h=11 m=19
